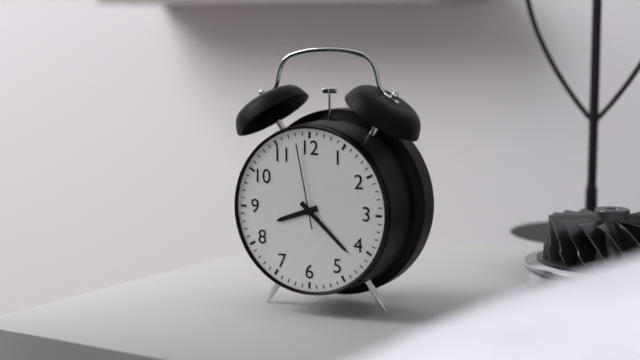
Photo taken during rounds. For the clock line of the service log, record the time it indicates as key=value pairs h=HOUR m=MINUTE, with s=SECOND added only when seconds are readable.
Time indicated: h=8 m=22 s=58
